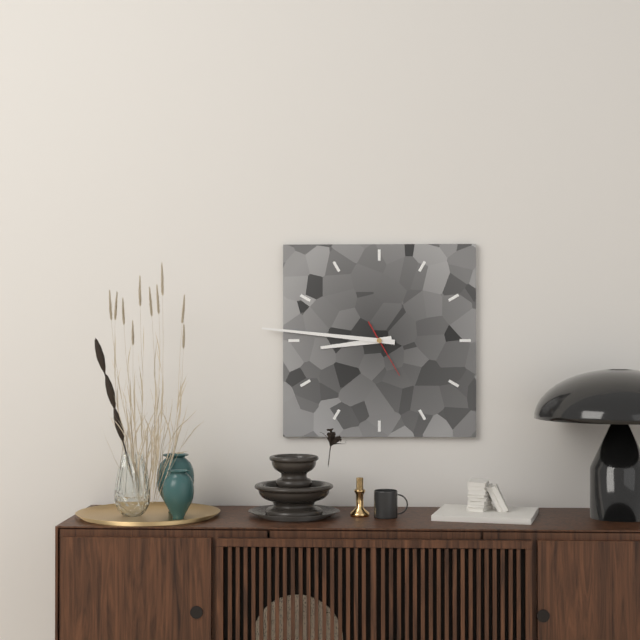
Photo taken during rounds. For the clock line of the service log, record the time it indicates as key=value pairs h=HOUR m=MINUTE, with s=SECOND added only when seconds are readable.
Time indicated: h=8 m=46 s=25
